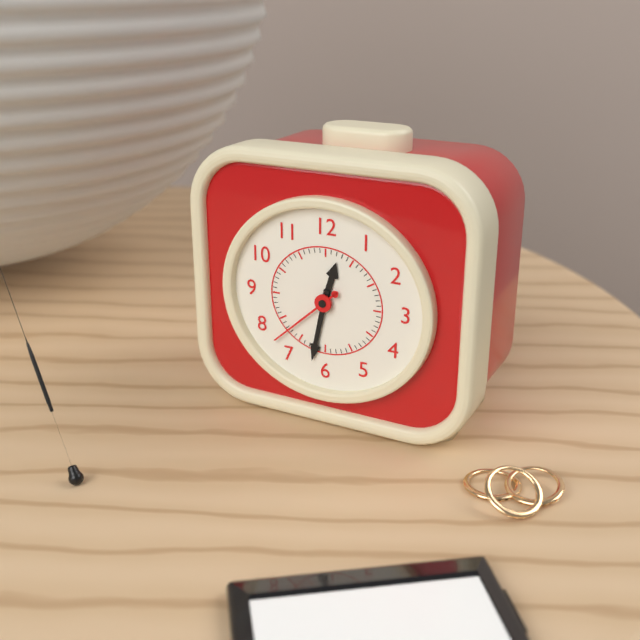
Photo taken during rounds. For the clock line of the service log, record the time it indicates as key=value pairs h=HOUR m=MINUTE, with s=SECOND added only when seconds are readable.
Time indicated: h=12 m=32 s=38
